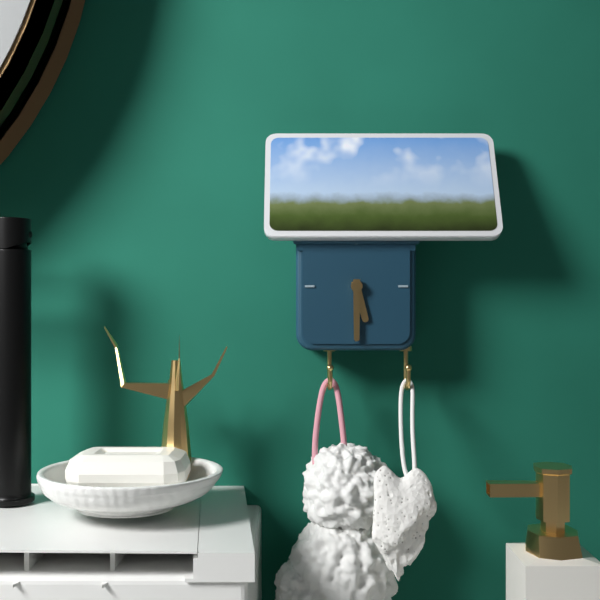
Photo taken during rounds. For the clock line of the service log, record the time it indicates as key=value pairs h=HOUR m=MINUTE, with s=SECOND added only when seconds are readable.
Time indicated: h=5 m=30
